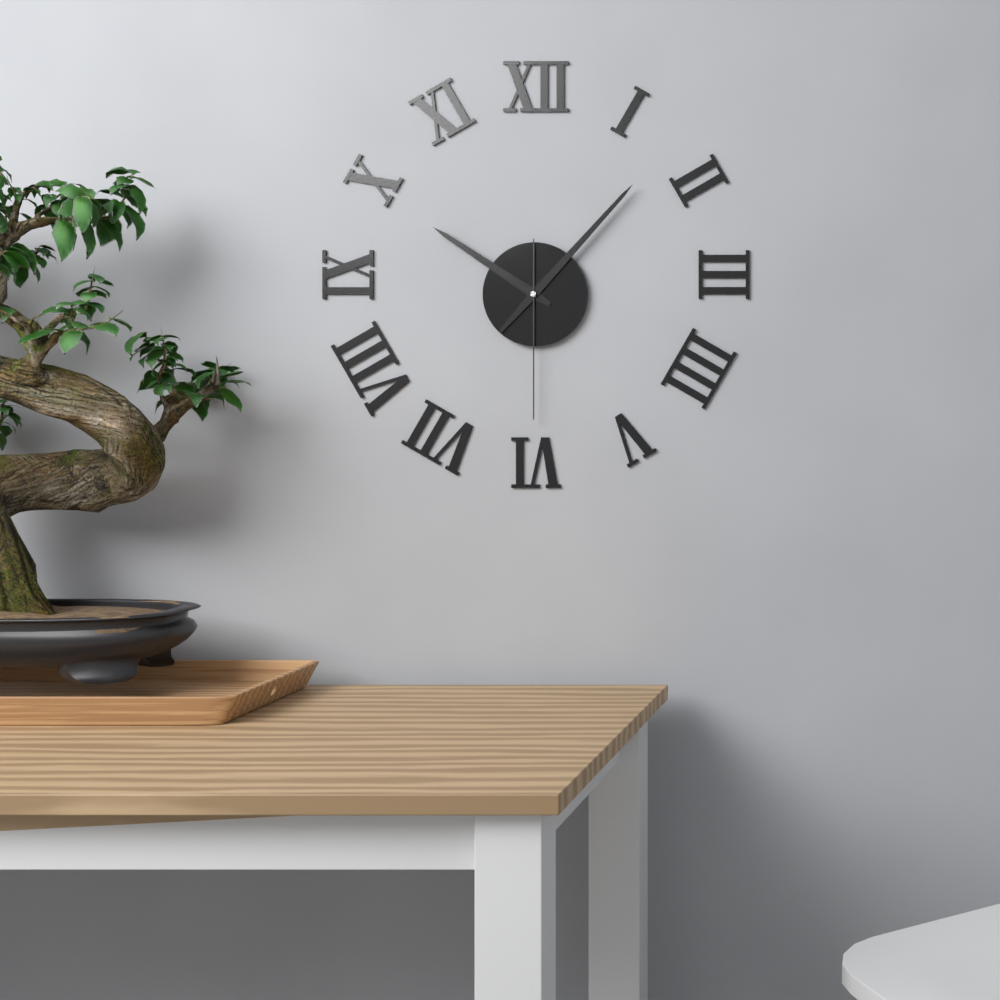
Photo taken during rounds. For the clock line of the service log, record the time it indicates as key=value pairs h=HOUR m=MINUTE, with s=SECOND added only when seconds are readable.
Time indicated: h=10 m=7 s=30
